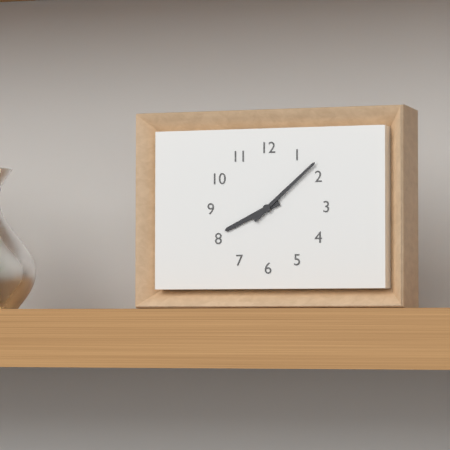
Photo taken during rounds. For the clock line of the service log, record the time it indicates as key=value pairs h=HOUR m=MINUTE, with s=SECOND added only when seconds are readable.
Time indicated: h=8 m=8
